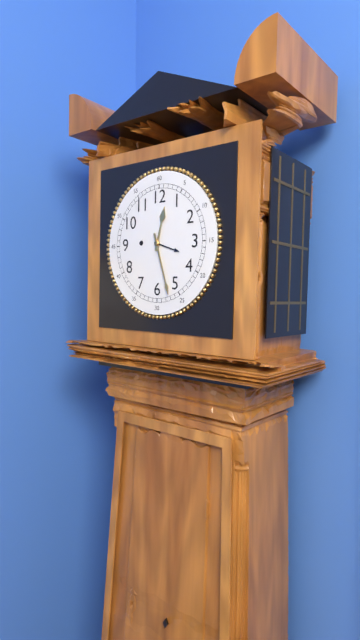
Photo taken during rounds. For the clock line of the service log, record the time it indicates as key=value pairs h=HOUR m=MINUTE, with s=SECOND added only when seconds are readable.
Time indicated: h=12 m=27
